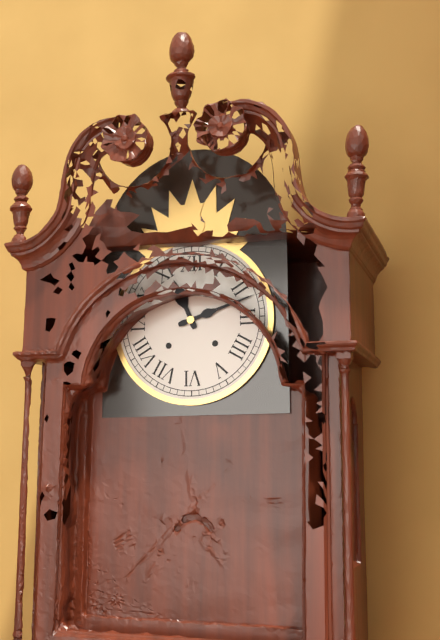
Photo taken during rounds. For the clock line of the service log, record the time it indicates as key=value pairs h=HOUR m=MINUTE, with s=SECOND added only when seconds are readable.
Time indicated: h=11 m=12
